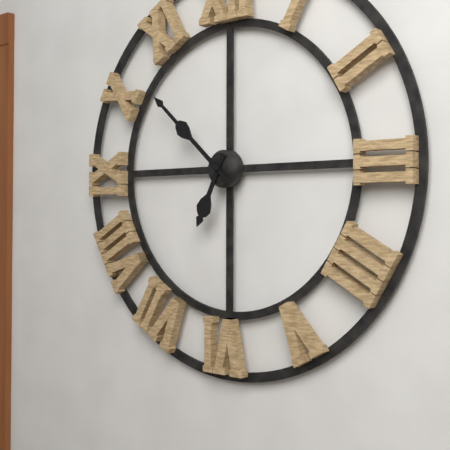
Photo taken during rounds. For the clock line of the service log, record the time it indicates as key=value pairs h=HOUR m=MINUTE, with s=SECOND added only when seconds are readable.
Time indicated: h=6 m=52
